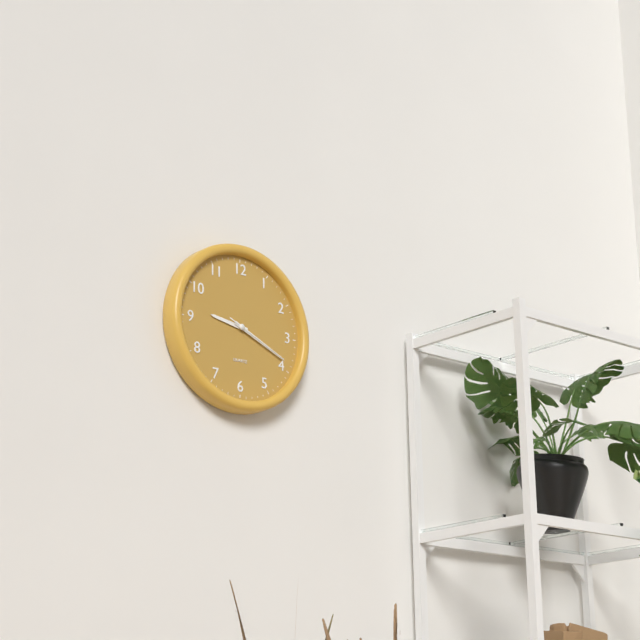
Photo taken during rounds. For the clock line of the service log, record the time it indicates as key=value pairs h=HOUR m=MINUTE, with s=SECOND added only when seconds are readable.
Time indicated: h=9 m=19 s=19
